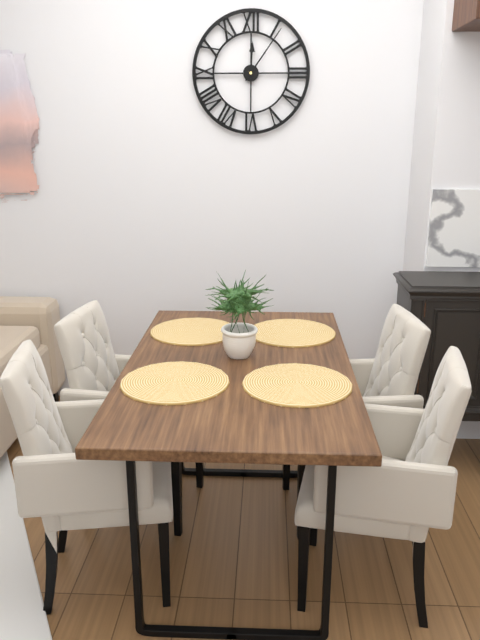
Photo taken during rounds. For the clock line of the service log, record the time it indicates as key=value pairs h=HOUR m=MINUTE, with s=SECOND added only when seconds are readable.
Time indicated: h=12 m=6
